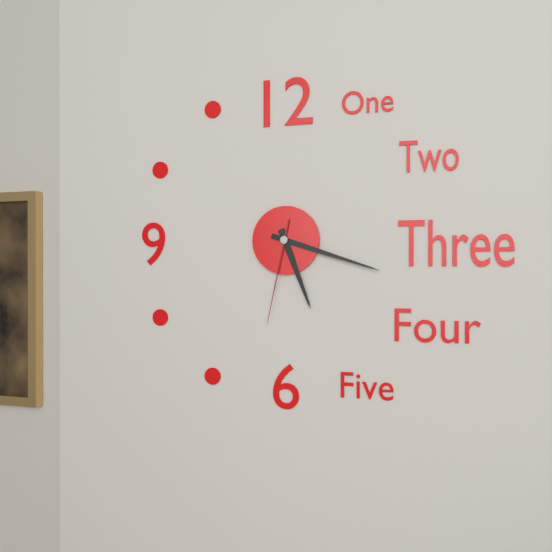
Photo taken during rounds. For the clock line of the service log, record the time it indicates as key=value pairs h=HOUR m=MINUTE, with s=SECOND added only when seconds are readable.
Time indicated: h=5 m=18 s=32
